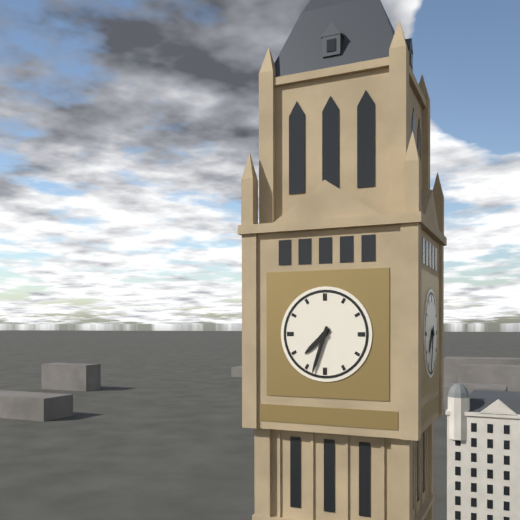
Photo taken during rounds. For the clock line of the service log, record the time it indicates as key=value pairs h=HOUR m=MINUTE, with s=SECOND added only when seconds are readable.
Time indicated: h=7 m=33
